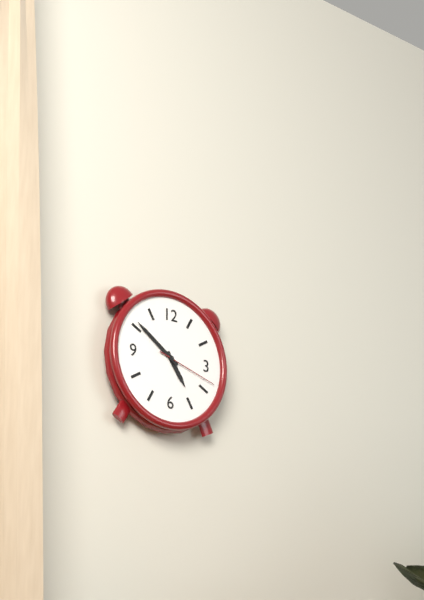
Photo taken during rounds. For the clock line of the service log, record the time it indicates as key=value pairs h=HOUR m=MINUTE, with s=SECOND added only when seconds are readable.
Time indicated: h=4 m=51 s=18
